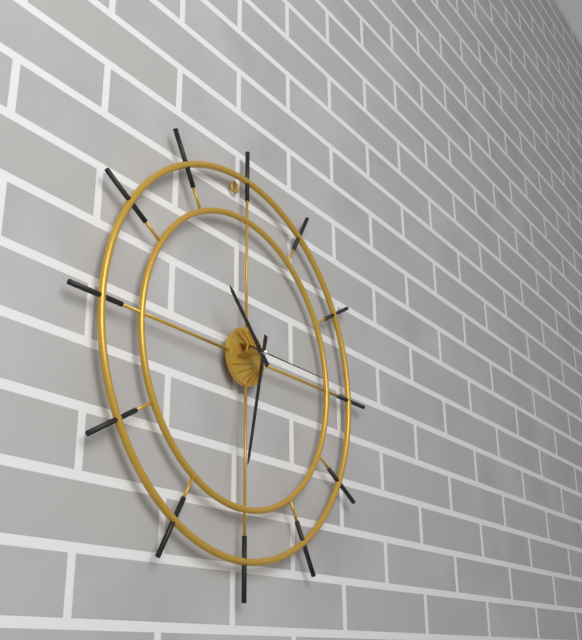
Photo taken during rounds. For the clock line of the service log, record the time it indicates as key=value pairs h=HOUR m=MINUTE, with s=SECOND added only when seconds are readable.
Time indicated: h=10 m=32 s=15
